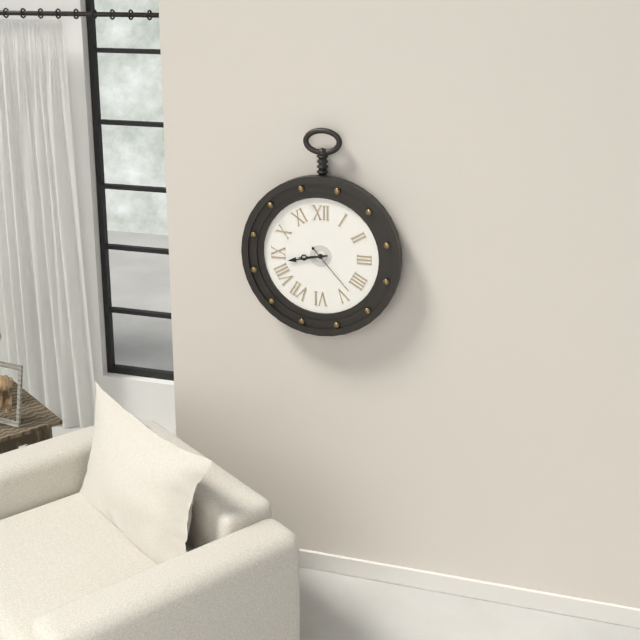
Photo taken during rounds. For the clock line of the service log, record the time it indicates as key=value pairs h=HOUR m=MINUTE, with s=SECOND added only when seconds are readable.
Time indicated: h=8 m=43 s=23
